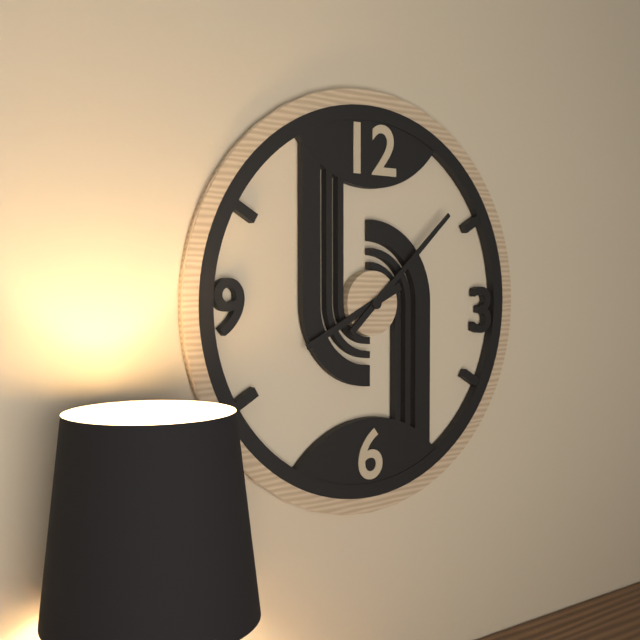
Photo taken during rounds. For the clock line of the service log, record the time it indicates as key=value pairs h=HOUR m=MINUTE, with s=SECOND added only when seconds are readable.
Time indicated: h=8 m=8
